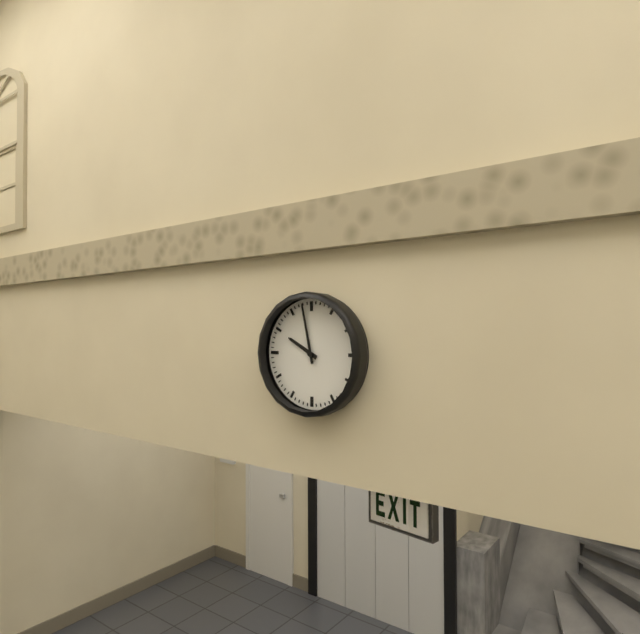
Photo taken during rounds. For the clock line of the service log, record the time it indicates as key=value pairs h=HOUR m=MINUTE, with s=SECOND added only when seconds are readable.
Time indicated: h=9 m=58
